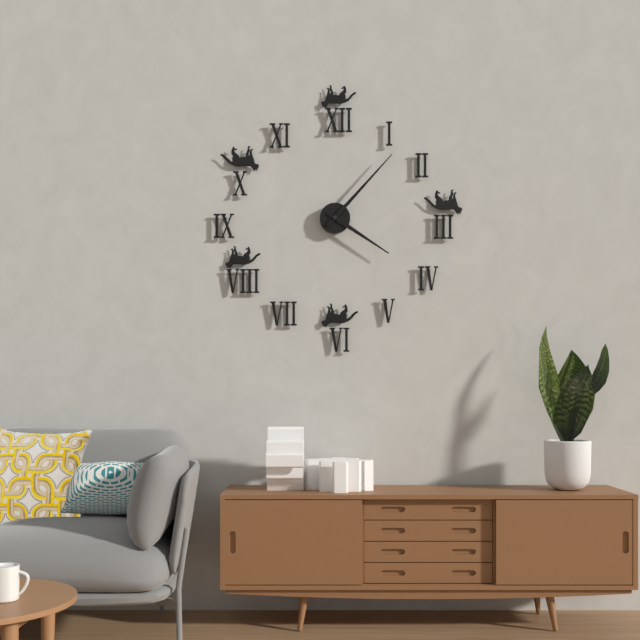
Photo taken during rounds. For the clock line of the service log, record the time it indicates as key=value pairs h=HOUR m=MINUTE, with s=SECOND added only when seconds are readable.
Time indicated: h=4 m=7
